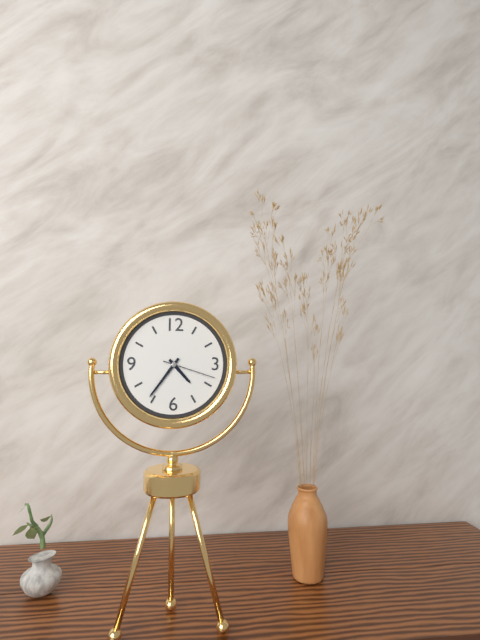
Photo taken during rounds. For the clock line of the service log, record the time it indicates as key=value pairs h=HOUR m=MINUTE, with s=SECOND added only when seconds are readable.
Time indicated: h=4 m=36 s=18
